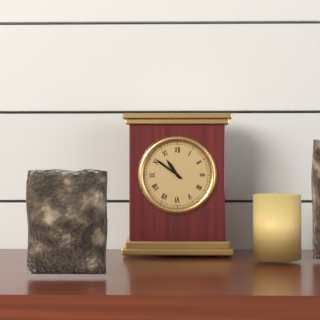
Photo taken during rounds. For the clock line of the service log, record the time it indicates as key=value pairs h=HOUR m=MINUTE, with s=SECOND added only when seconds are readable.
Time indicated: h=10 m=51
